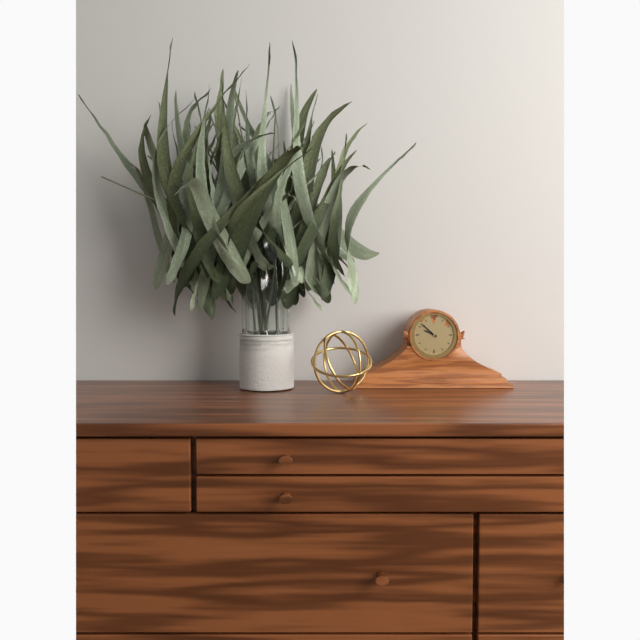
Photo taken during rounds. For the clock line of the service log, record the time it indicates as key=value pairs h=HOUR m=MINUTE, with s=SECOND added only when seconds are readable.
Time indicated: h=9 m=52
